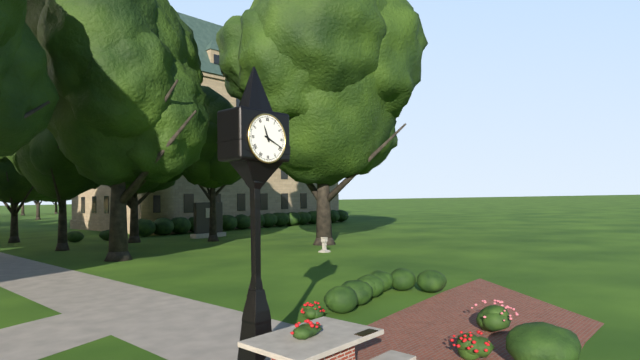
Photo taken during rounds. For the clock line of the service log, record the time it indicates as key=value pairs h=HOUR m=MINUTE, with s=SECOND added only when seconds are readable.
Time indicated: h=11 m=19
